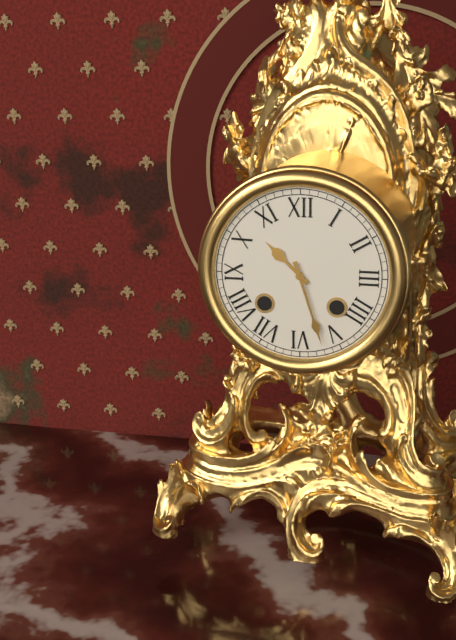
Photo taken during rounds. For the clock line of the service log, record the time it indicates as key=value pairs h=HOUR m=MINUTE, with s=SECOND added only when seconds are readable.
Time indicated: h=10 m=27
